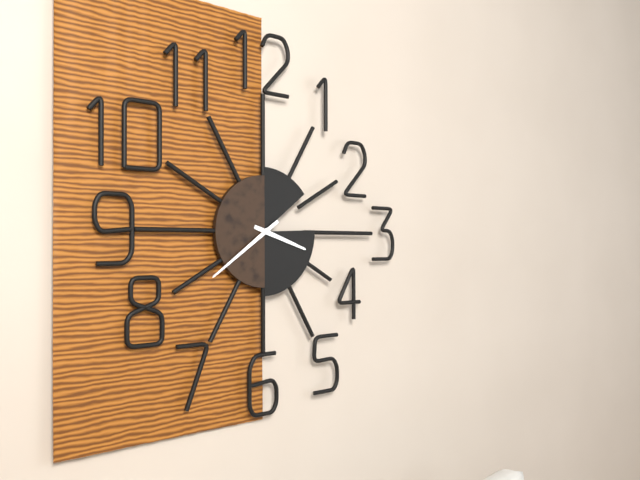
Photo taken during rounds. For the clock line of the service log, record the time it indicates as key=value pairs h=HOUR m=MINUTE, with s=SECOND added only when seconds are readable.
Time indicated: h=3 m=39
